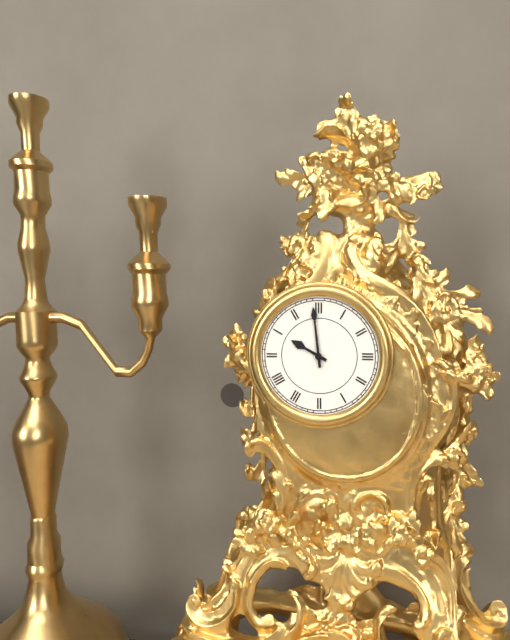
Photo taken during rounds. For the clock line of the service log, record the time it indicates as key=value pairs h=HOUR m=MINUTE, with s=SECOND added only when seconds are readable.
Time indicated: h=9 m=59
